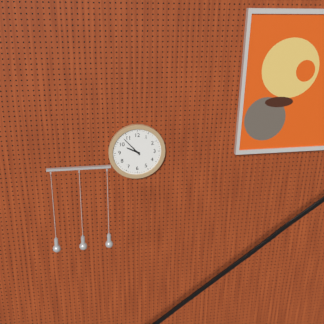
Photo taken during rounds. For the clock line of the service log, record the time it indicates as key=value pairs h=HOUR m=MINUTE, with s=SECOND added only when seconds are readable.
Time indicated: h=9 m=53
